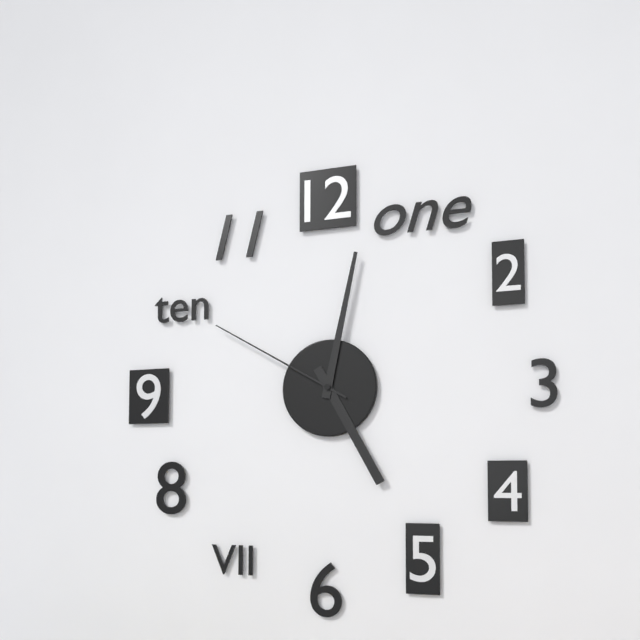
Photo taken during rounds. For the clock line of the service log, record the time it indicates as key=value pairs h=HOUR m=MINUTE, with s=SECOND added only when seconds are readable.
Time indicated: h=5 m=2 s=50
